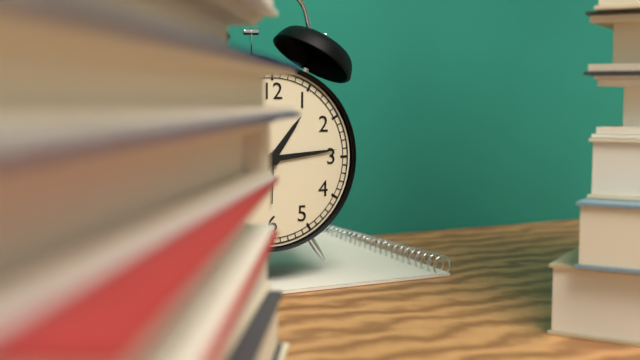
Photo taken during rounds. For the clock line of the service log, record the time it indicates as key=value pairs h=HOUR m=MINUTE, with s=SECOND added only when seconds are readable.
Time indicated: h=1 m=14
